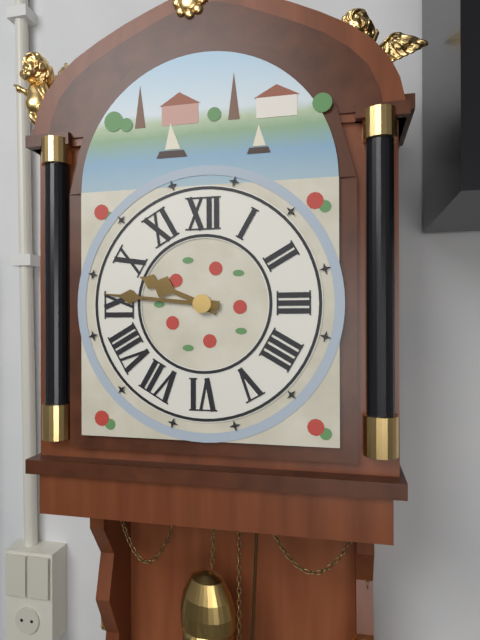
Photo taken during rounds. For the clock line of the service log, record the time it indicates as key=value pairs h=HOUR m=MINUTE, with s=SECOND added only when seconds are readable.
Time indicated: h=9 m=46
